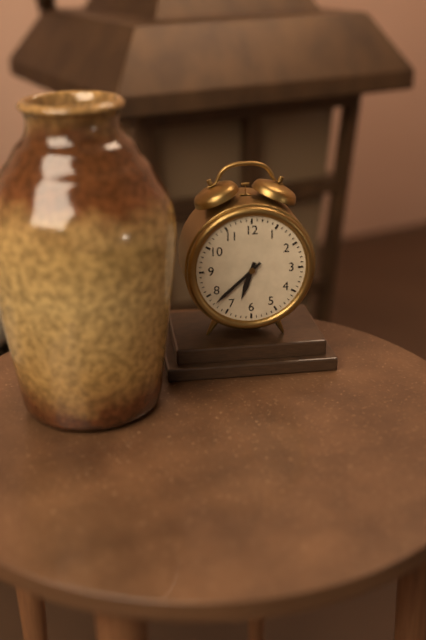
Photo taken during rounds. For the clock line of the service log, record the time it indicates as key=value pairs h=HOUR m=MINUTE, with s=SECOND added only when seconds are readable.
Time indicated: h=6 m=38
